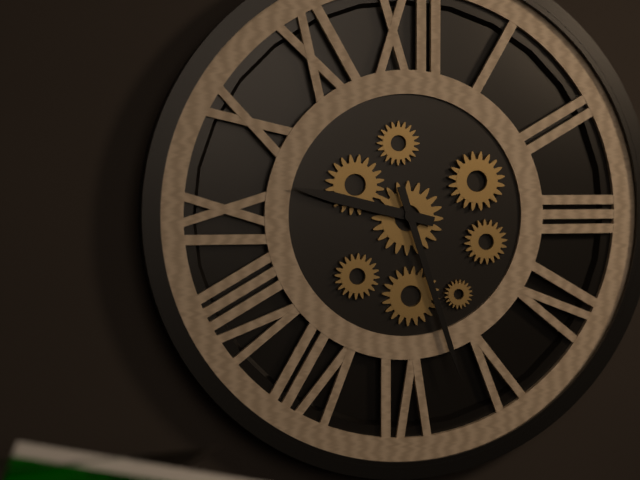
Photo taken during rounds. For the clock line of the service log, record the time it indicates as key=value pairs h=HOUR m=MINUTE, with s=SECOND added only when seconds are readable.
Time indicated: h=9 m=27
